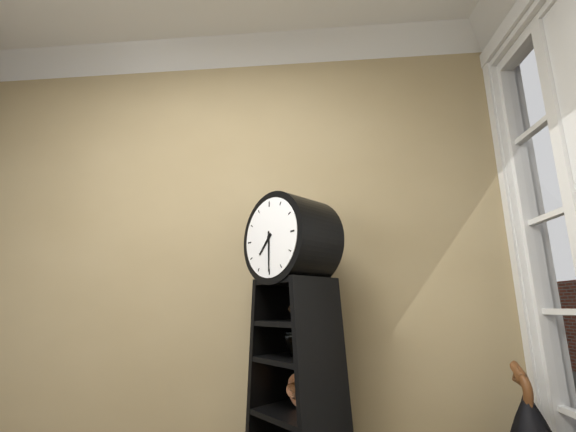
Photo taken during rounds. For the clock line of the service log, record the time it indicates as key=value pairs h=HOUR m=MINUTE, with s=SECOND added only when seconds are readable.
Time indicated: h=7 m=30
